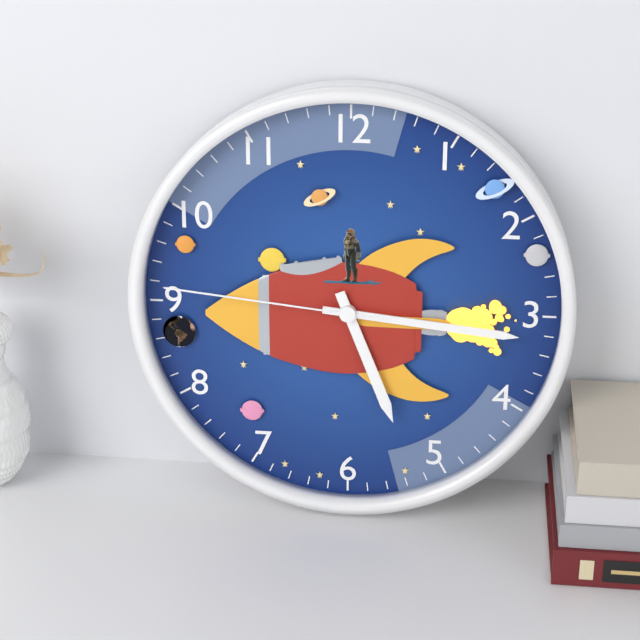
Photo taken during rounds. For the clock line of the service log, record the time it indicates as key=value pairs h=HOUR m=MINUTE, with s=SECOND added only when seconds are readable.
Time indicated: h=5 m=16 s=46
